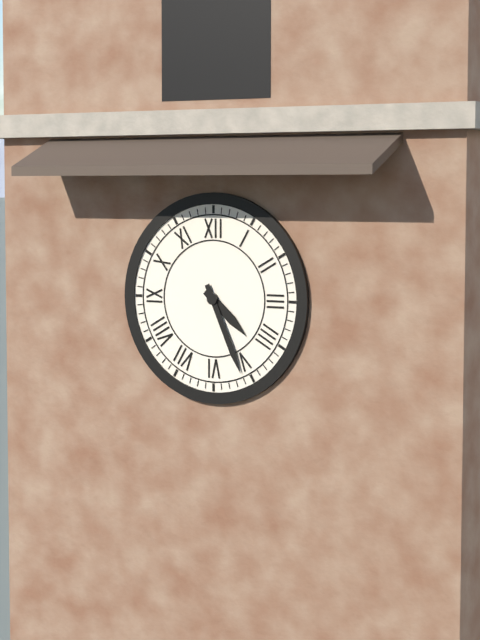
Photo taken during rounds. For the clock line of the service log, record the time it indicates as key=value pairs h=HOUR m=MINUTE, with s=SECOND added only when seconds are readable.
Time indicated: h=4 m=26
